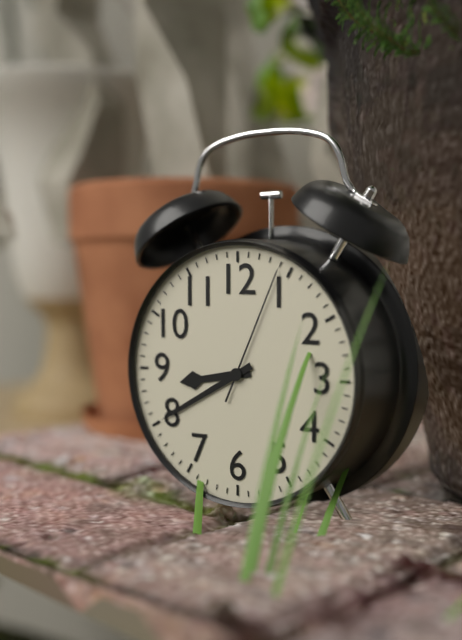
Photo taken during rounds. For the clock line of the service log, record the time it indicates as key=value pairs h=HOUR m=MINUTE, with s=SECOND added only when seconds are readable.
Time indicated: h=8 m=40 s=4
